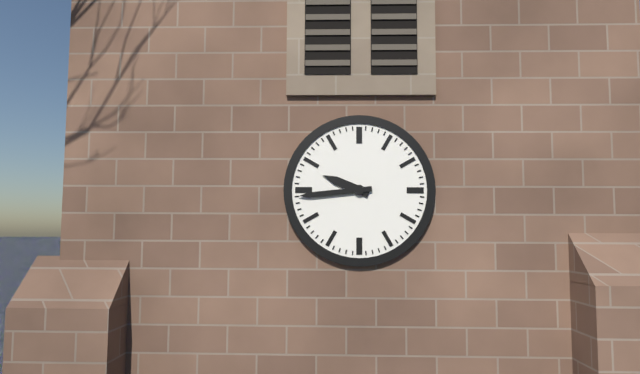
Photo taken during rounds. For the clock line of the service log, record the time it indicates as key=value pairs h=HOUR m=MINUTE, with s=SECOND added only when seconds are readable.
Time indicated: h=9 m=44
